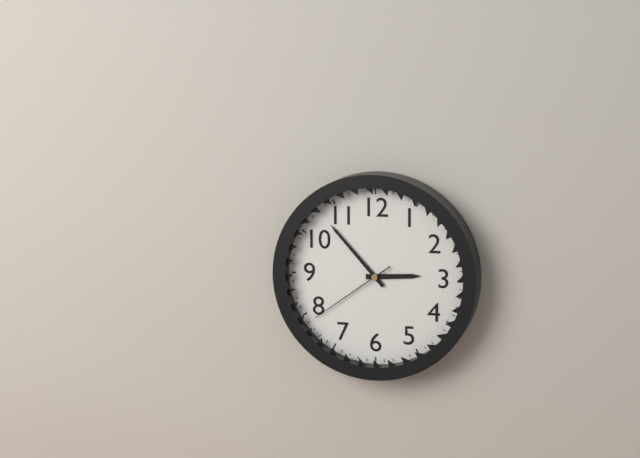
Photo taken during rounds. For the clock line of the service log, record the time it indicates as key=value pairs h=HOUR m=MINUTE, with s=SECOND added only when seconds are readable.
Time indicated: h=2 m=53 s=39
